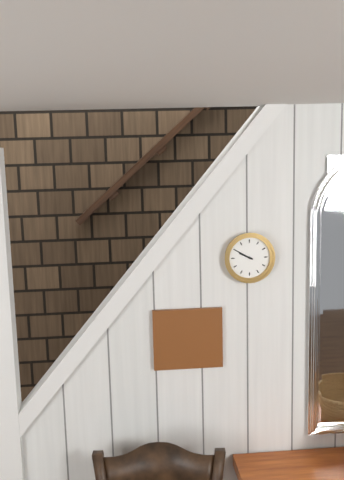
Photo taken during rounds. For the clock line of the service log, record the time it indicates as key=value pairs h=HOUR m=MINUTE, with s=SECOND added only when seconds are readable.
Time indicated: h=9 m=50
